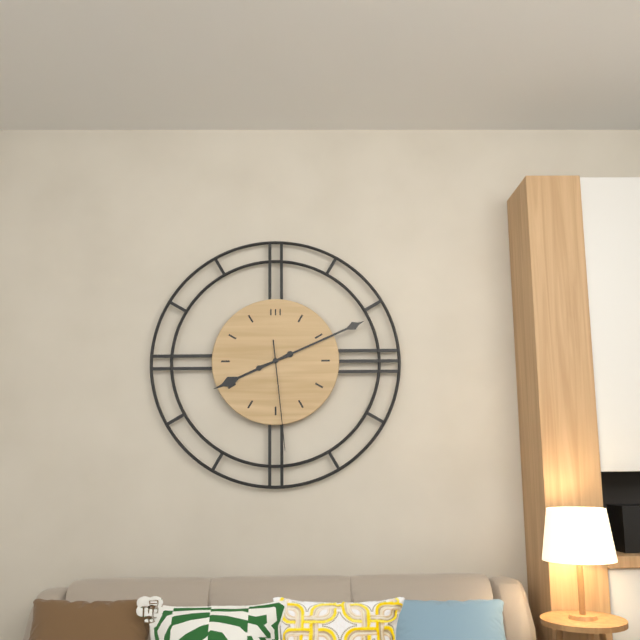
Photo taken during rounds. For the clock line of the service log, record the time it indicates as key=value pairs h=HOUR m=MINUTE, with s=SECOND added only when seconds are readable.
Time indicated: h=8 m=11 s=29
